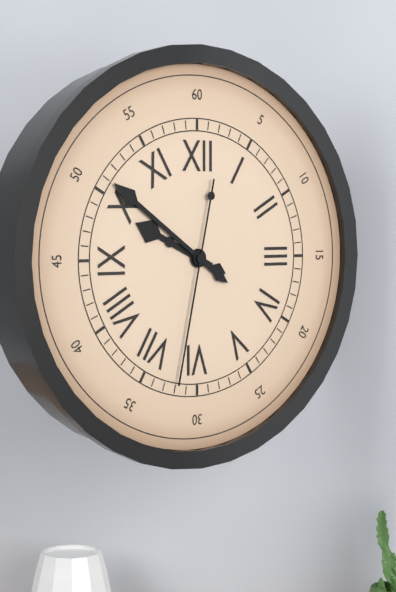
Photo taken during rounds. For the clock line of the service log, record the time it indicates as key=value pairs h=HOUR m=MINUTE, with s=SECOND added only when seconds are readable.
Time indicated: h=9 m=51 s=32
